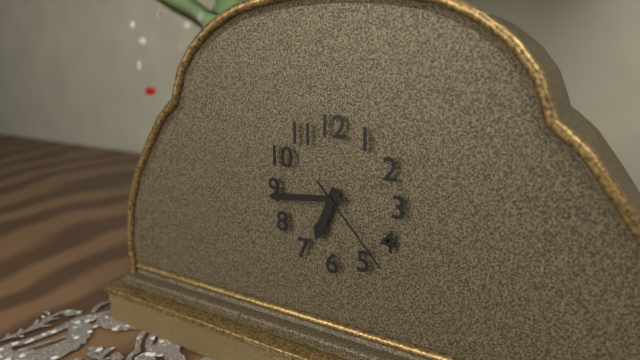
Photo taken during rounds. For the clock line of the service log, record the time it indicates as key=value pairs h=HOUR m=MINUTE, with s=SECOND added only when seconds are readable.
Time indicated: h=6 m=44 s=23
